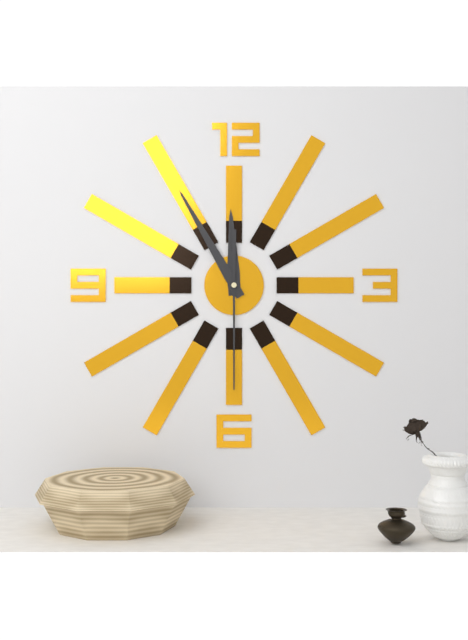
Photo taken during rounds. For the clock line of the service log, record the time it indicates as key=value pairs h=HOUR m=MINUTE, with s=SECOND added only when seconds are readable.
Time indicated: h=11 m=55 s=30
